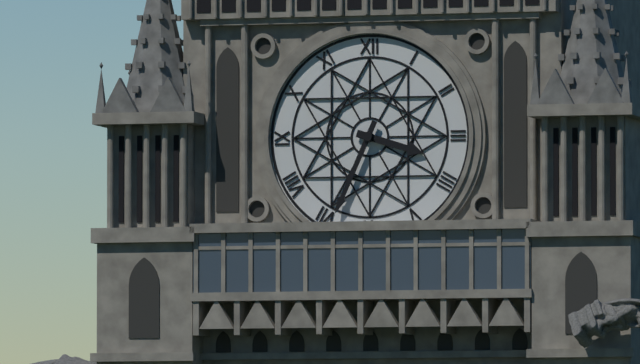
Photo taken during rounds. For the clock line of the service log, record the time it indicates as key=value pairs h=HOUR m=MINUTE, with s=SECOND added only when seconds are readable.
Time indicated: h=3 m=34
